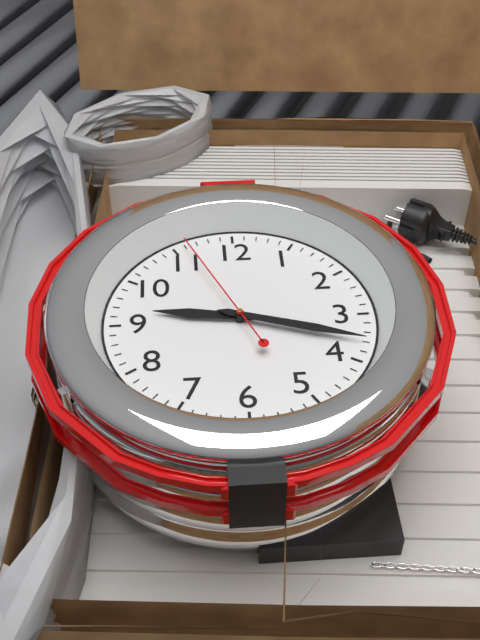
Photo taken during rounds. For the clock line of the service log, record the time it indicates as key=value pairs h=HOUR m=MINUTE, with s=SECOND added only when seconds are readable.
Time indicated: h=9 m=18 s=56
